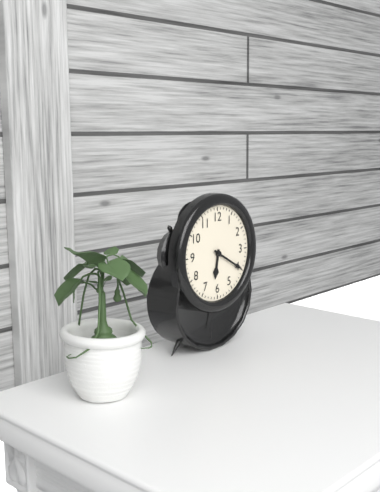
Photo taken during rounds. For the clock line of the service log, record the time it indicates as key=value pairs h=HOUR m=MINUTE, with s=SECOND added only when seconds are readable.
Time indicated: h=6 m=20
